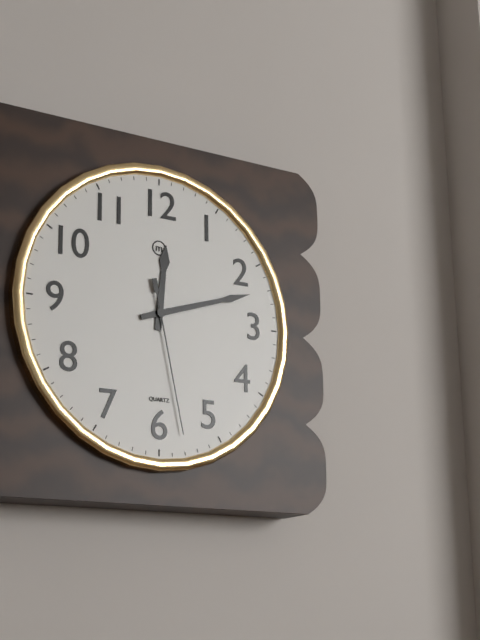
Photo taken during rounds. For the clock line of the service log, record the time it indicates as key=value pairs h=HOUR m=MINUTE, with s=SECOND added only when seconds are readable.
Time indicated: h=12 m=12 s=28
